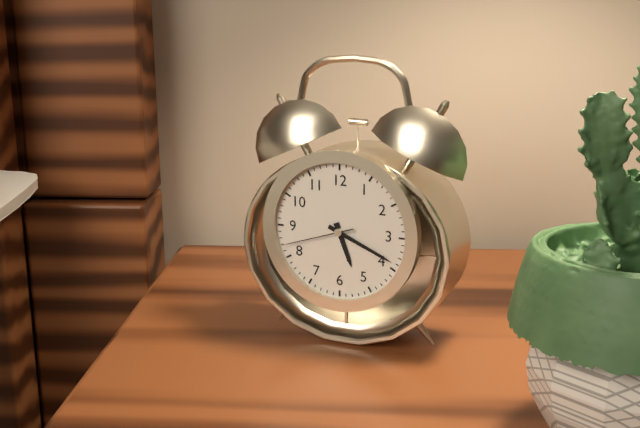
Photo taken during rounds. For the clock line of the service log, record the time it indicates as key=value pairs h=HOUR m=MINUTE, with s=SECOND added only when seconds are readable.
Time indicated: h=5 m=19 s=42
